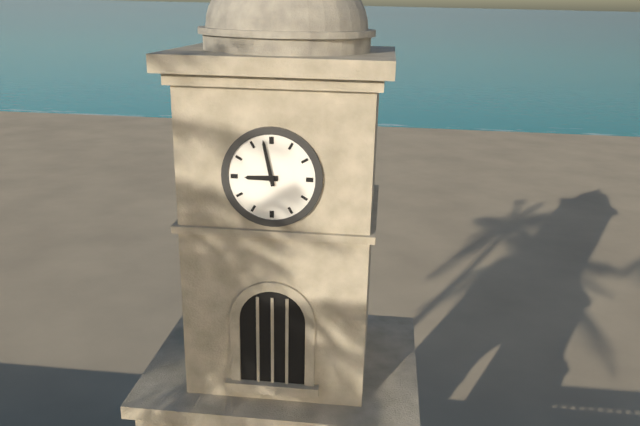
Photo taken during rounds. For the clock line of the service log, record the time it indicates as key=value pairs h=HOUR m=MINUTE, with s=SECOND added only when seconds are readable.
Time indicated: h=8 m=58
